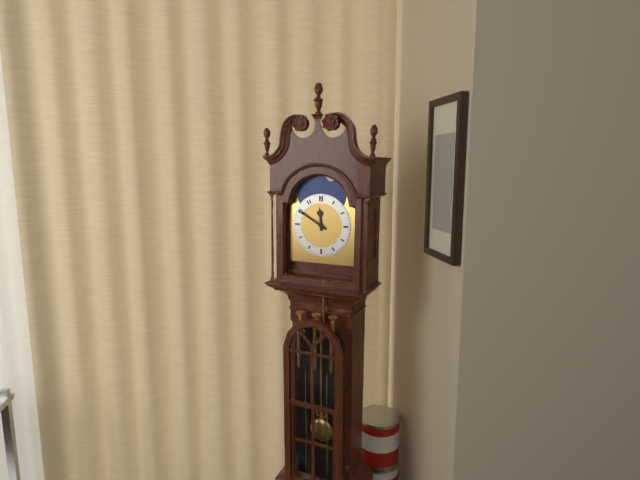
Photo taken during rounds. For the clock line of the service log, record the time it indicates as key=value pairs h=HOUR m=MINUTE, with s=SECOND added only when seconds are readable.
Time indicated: h=11 m=50
